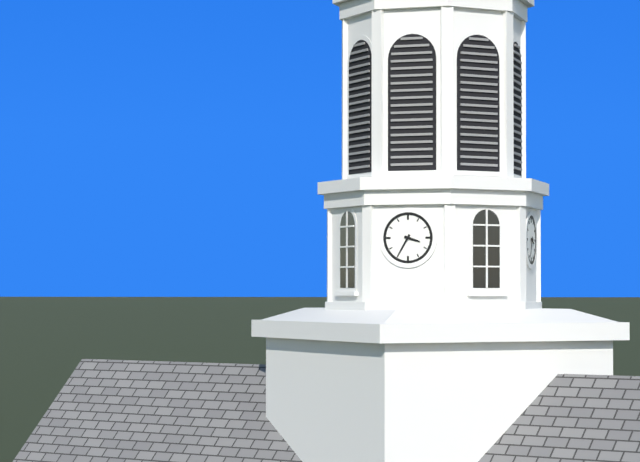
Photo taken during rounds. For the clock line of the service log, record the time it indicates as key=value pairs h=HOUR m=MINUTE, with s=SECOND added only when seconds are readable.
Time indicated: h=3 m=35
